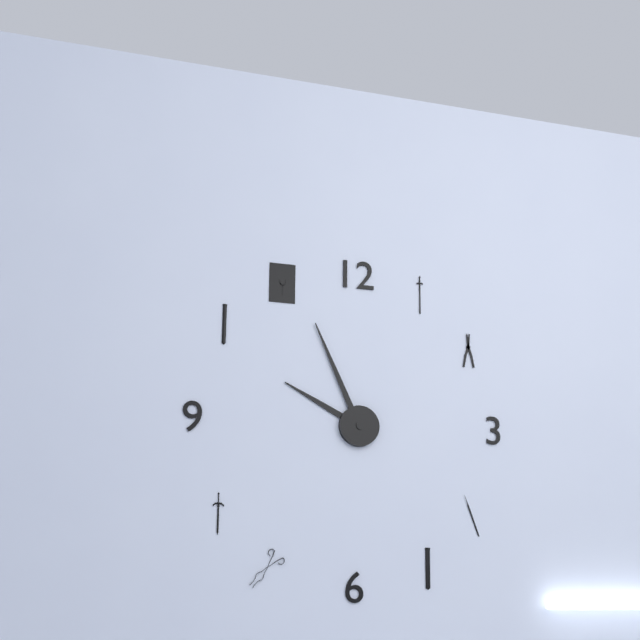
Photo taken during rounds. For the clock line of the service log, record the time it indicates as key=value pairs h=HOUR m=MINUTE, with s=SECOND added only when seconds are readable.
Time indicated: h=9 m=56
